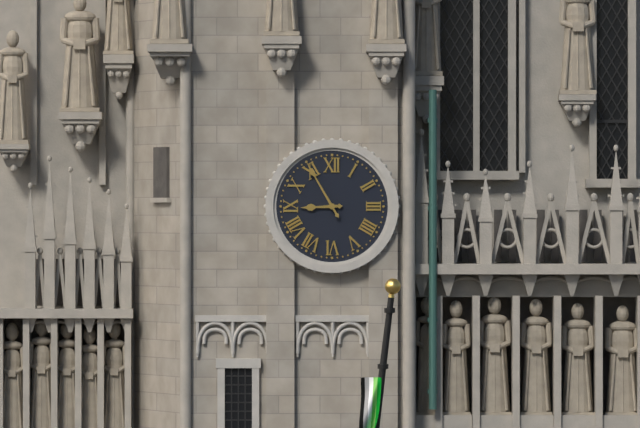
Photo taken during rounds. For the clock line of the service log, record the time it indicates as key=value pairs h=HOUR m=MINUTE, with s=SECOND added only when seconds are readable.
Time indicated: h=8 m=55
